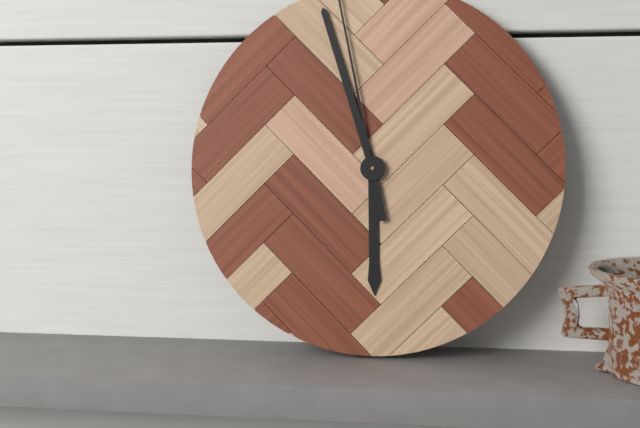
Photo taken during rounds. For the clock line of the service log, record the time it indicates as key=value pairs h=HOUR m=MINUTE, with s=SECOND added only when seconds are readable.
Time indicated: h=5 m=57
